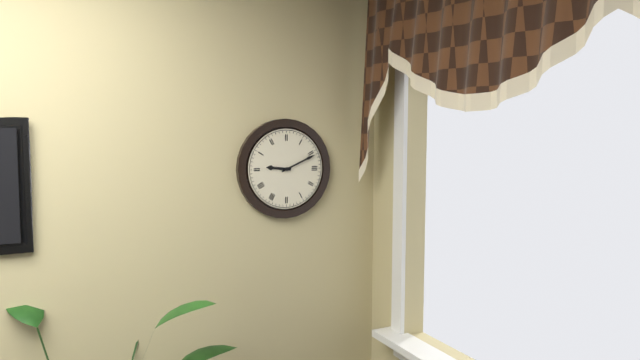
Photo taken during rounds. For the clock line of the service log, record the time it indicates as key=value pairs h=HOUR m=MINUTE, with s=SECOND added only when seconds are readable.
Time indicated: h=9 m=11
